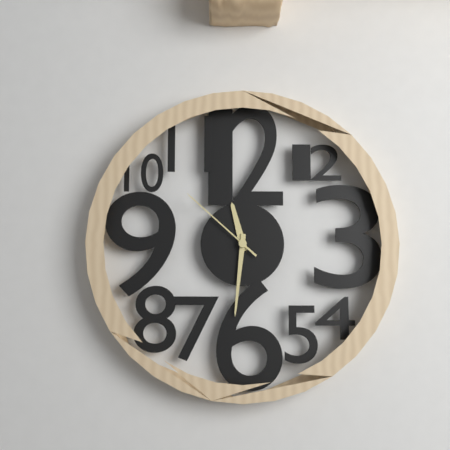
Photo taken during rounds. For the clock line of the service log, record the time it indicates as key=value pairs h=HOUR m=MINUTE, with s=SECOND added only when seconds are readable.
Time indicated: h=11 m=31 s=52
